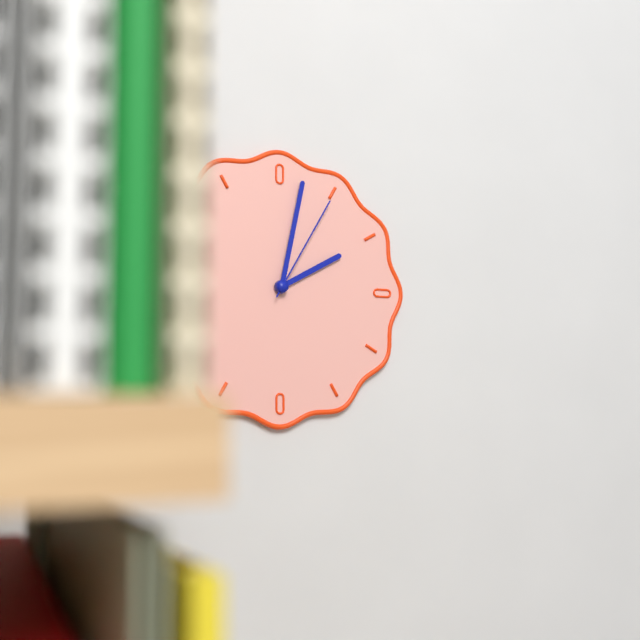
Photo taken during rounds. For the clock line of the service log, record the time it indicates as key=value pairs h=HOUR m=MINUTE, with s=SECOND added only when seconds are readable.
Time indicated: h=2 m=2 s=5
